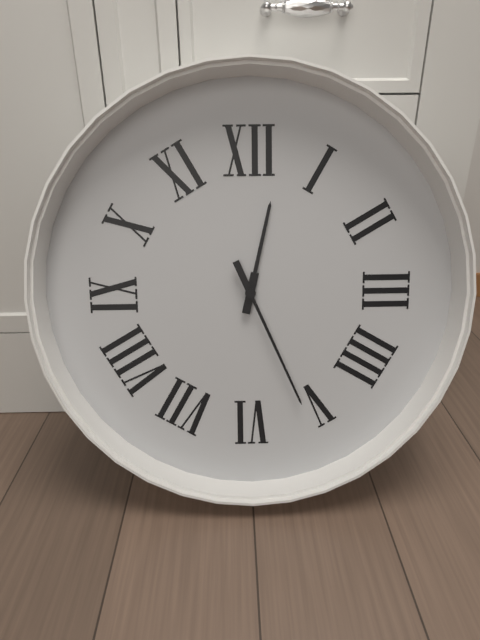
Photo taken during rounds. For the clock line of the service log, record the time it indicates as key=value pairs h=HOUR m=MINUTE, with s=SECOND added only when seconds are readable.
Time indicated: h=12 m=26
